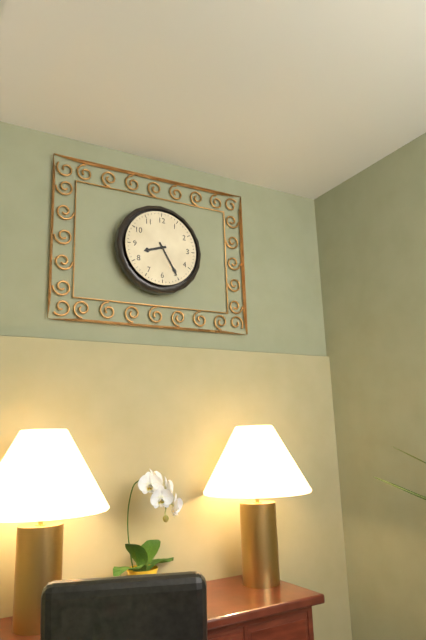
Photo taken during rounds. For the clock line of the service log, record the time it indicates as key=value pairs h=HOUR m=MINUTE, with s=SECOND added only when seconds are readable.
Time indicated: h=8 m=25
